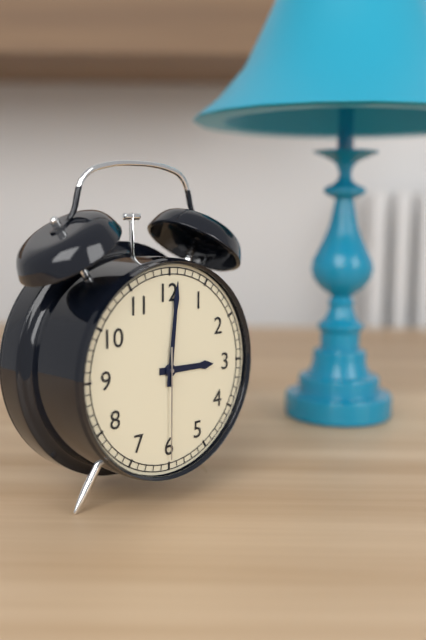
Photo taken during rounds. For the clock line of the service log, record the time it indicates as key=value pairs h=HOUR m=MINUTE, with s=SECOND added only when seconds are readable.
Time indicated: h=3 m=1 s=30
